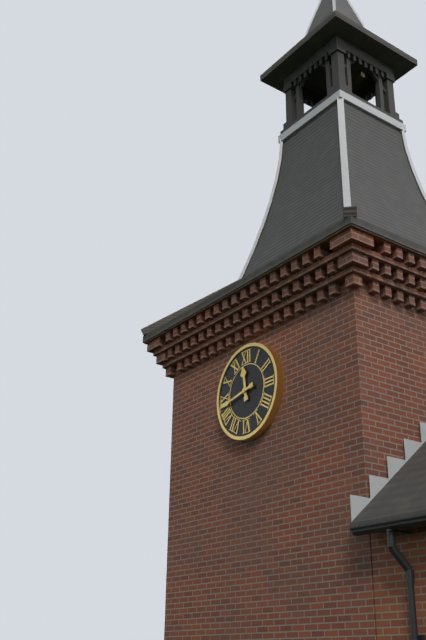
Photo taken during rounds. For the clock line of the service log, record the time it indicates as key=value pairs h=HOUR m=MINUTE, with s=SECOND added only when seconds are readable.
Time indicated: h=11 m=43
